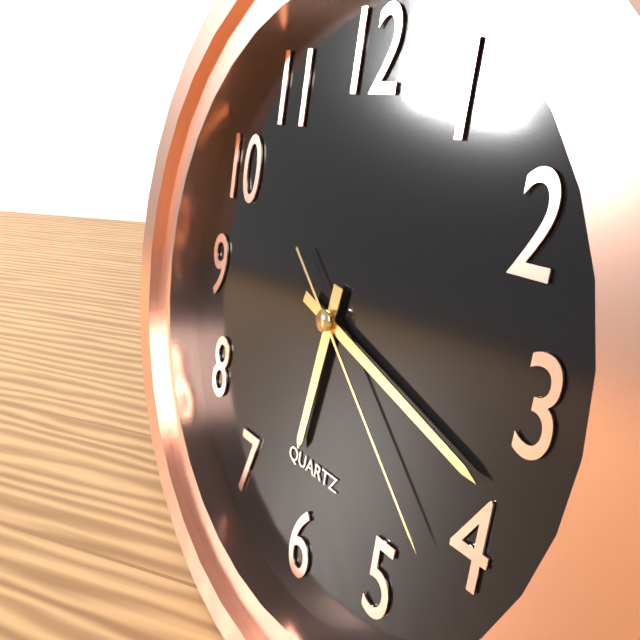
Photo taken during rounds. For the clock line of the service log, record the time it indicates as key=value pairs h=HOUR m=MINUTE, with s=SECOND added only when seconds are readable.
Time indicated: h=6 m=18 s=22
